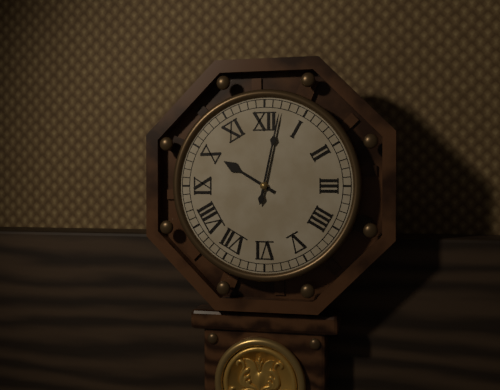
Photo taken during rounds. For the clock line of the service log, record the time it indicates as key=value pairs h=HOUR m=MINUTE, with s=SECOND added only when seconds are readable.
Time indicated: h=10 m=2
